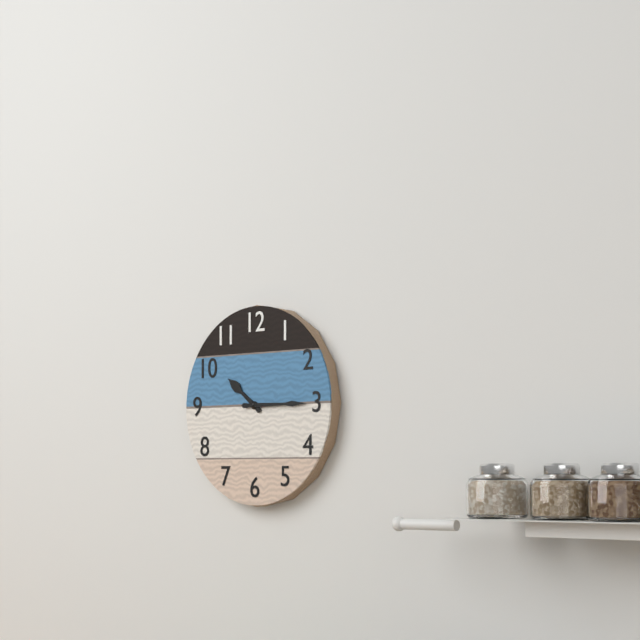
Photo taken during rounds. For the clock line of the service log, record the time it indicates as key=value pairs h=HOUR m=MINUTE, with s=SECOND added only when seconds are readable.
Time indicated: h=10 m=15
